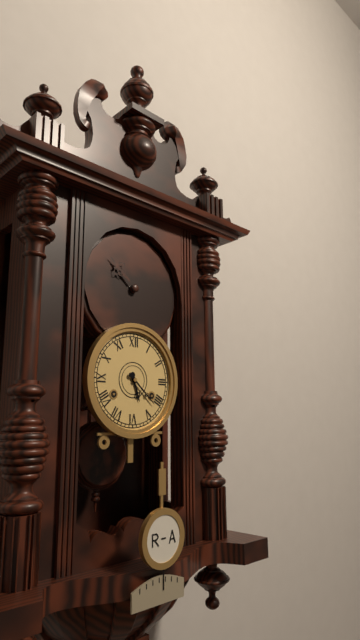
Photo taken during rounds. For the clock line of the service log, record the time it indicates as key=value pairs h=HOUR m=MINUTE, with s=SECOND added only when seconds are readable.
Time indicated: h=5 m=22
